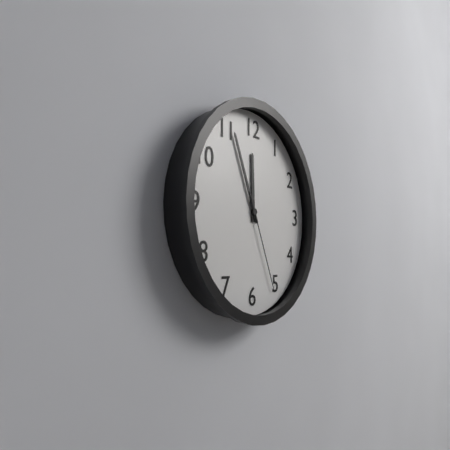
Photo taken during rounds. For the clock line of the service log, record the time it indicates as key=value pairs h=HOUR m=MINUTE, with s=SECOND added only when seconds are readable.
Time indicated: h=11 m=56 s=26
